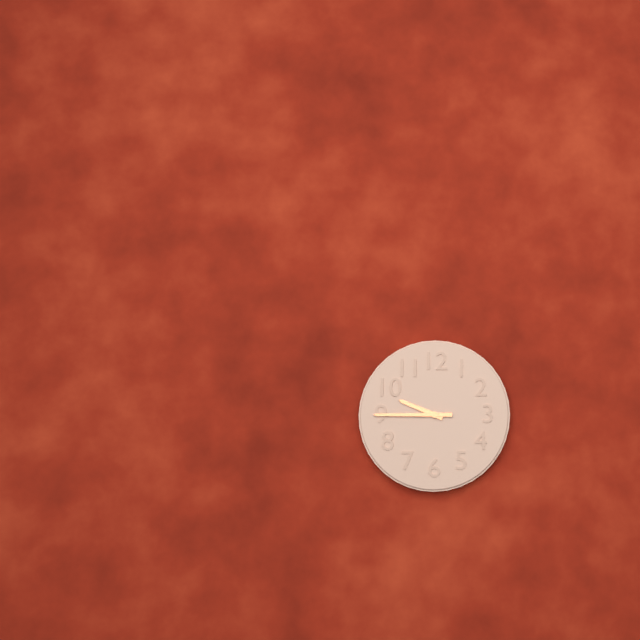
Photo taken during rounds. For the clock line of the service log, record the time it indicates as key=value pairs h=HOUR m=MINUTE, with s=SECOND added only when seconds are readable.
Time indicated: h=9 m=45
